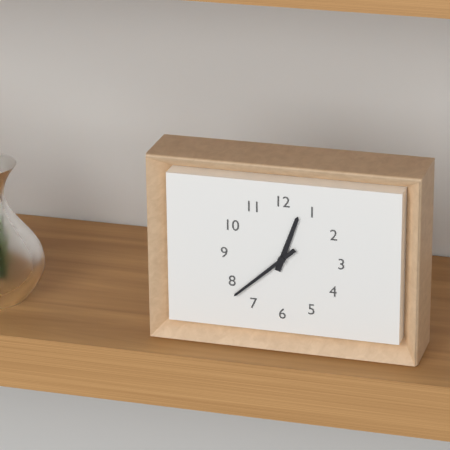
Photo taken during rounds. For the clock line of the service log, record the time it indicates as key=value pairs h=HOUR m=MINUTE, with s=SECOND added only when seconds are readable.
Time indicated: h=12 m=38
